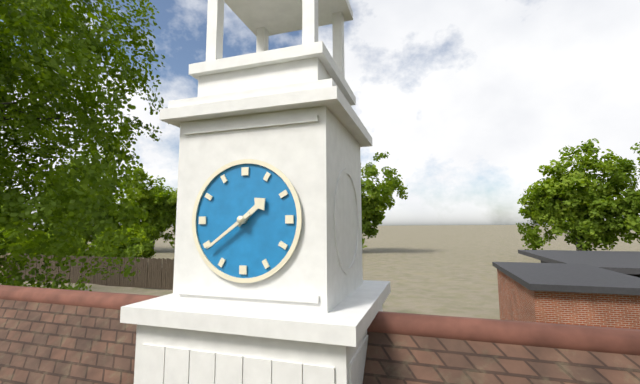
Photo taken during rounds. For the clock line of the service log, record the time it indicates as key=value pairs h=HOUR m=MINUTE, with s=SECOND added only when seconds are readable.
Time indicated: h=1 m=39
